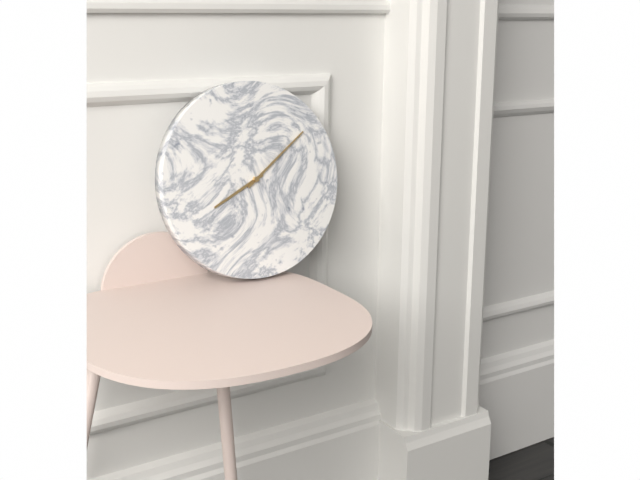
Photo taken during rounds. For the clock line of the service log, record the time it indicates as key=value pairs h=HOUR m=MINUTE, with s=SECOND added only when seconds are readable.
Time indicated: h=8 m=9
